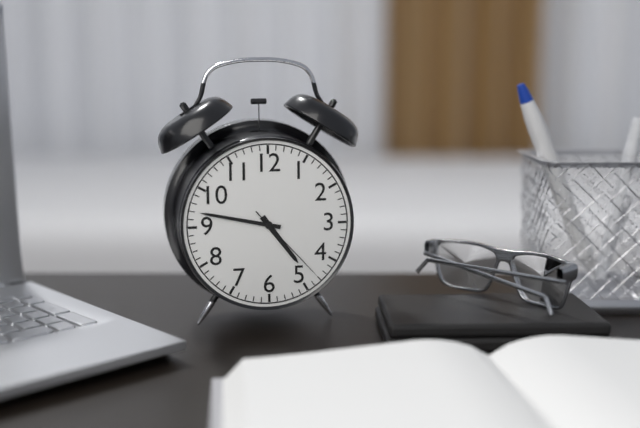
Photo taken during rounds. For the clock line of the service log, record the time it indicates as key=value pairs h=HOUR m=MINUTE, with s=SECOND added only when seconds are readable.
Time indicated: h=4 m=47 s=23
